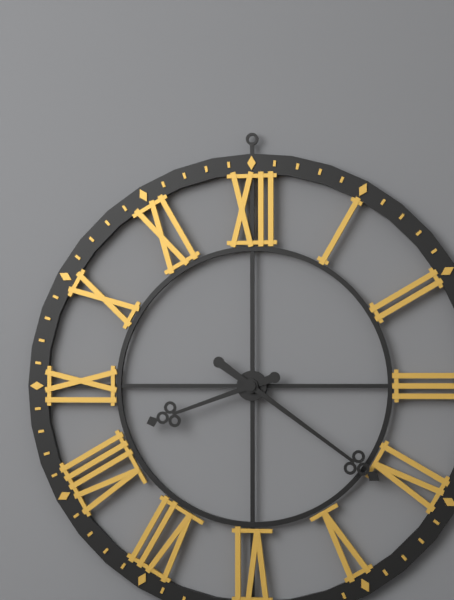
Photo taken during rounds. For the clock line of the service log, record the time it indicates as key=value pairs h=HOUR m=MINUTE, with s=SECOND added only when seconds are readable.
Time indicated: h=8 m=21
